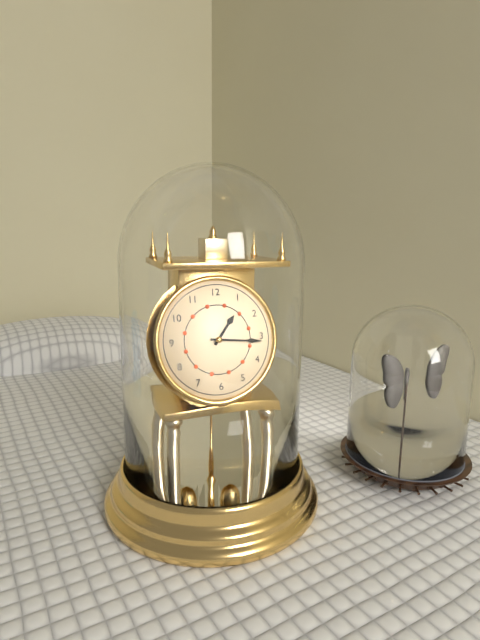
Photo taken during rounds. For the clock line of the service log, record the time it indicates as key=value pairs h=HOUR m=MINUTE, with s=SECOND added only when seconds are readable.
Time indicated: h=1 m=16
